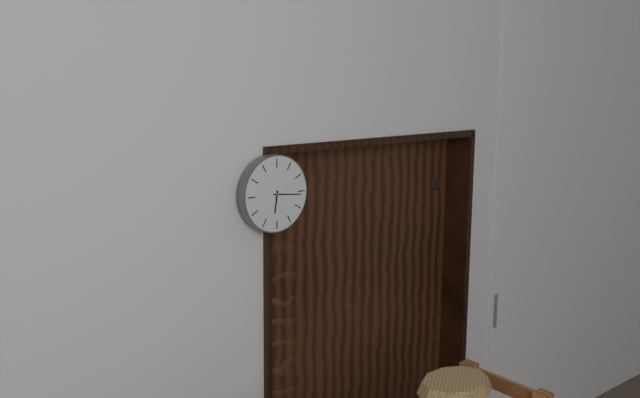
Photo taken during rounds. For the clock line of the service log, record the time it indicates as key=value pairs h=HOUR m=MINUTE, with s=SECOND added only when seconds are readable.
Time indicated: h=6 m=16
